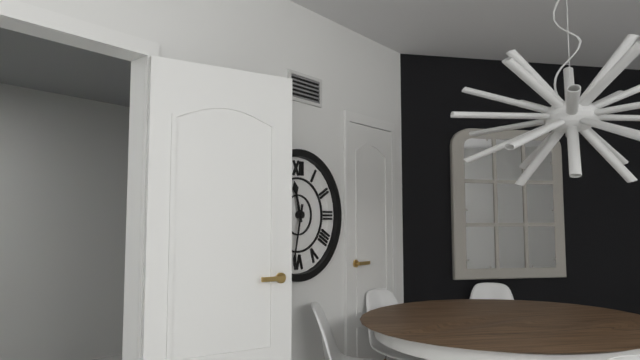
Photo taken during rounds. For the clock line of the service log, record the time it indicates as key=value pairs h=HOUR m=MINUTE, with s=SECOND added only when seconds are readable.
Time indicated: h=11 m=32
